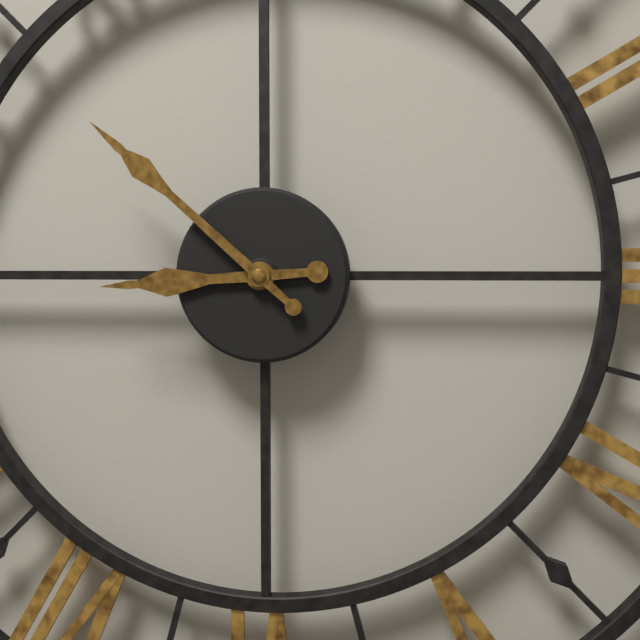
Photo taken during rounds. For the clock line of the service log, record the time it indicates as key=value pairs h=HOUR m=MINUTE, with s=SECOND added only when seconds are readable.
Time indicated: h=8 m=52
